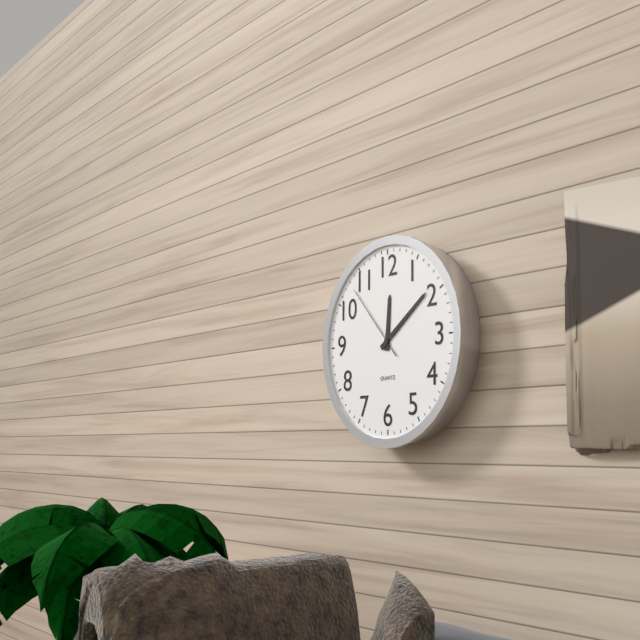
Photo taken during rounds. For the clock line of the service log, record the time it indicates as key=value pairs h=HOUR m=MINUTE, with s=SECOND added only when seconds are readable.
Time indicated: h=12 m=9 s=53
